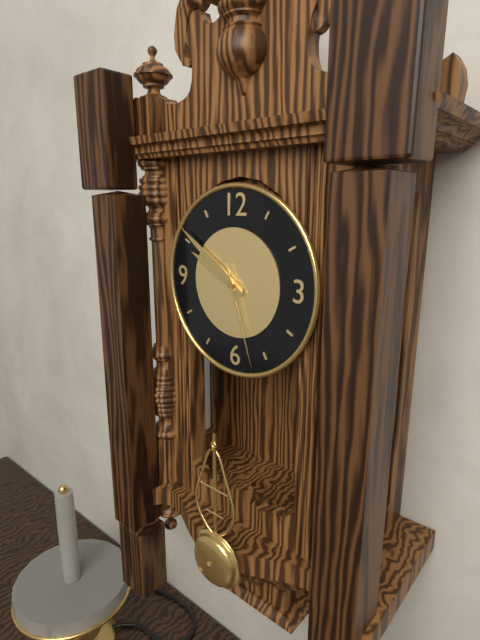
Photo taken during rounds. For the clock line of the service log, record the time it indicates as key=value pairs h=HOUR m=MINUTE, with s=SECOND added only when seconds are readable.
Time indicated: h=9 m=51 s=27
